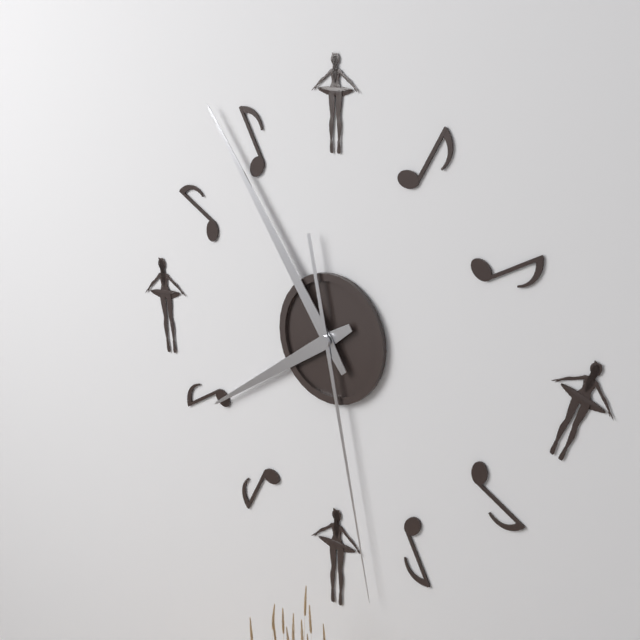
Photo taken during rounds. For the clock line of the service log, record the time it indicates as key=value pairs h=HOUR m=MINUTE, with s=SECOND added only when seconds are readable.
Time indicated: h=7 m=54 s=28
